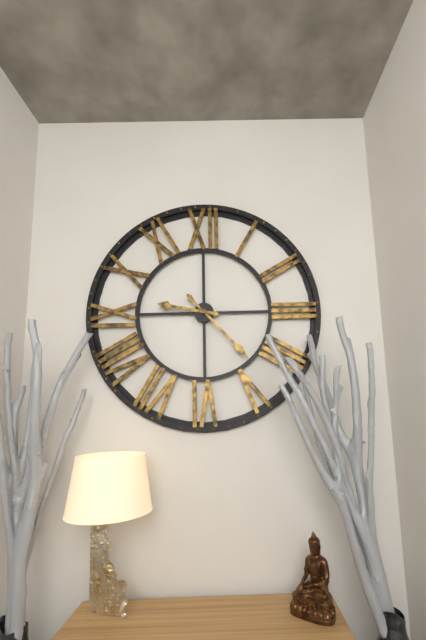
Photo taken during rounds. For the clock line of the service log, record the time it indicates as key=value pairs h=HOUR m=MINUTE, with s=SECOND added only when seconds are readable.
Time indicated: h=9 m=23
